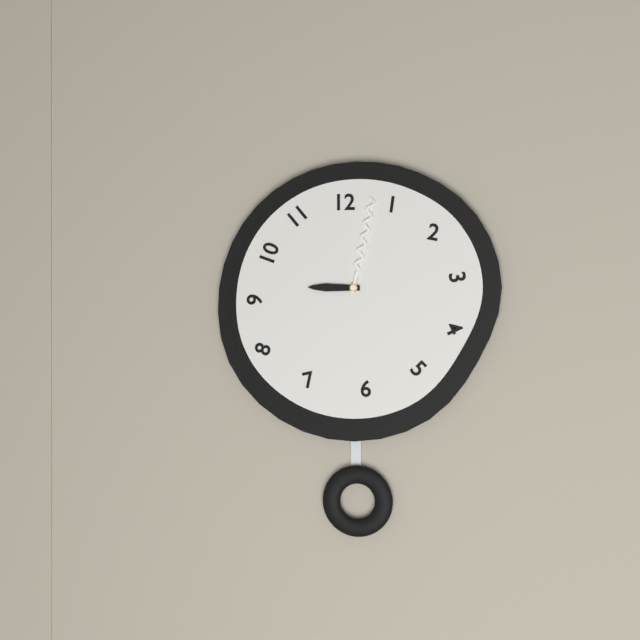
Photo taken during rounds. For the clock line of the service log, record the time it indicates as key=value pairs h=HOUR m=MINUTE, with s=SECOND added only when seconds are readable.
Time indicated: h=9 m=2
